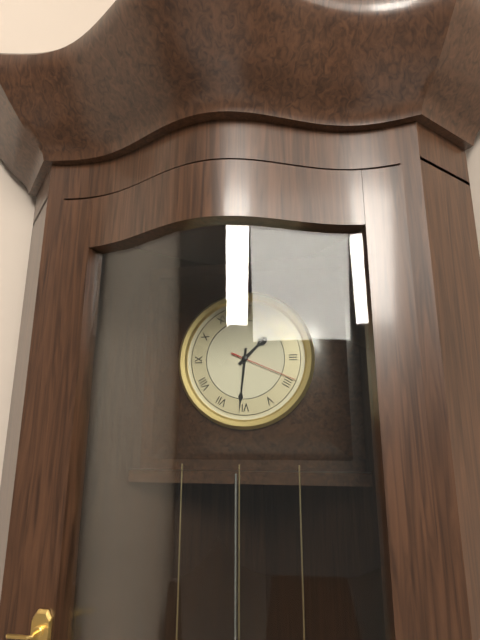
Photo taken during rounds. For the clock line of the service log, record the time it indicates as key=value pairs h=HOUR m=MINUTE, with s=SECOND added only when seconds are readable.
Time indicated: h=1 m=31 s=19
